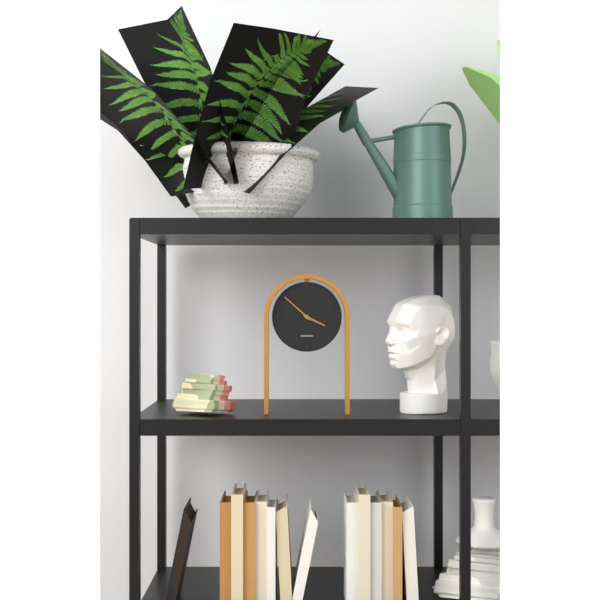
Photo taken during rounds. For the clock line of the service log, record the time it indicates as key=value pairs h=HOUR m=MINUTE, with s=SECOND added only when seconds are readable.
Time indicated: h=3 m=52
